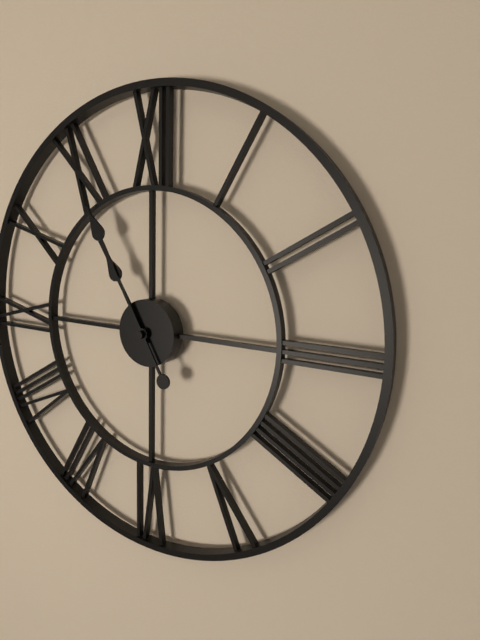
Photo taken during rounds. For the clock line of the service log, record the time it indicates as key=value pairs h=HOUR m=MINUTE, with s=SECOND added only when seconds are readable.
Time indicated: h=10 m=55
